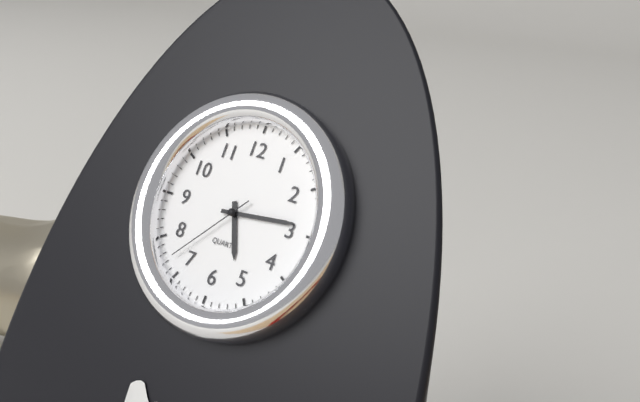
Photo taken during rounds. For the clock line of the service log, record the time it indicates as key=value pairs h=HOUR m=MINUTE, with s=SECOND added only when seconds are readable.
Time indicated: h=5 m=14 s=37
